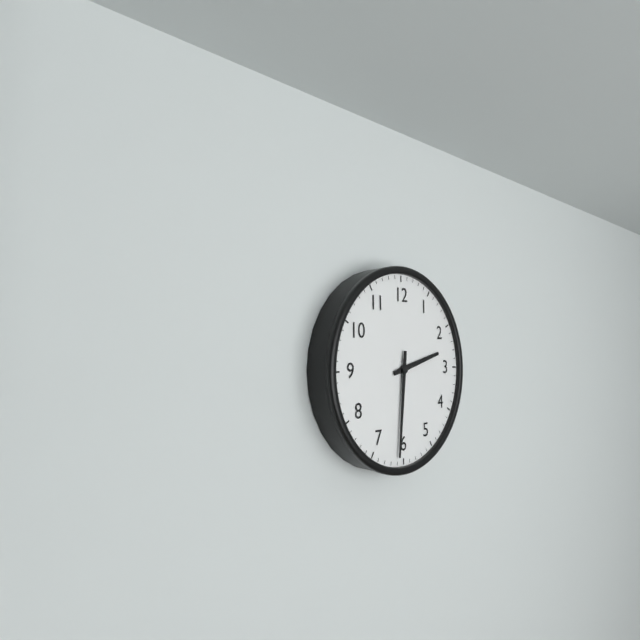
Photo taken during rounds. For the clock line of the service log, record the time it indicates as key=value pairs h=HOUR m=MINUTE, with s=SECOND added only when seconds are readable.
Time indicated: h=2 m=31
